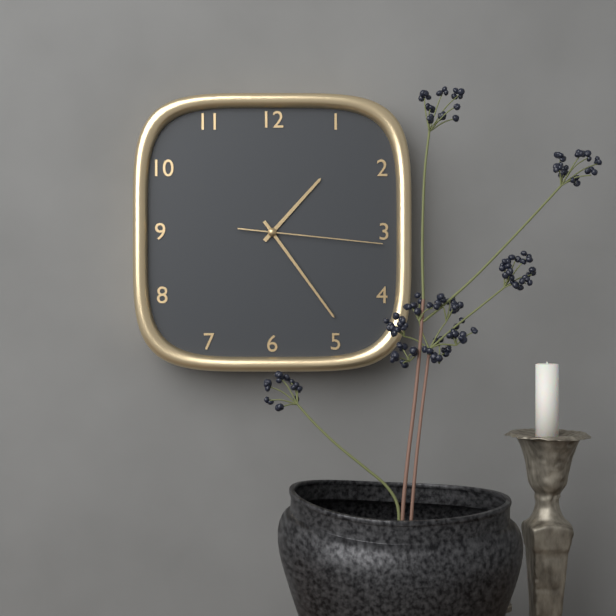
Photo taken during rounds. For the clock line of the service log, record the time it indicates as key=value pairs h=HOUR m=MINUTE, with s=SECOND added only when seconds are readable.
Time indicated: h=1 m=24 s=16
